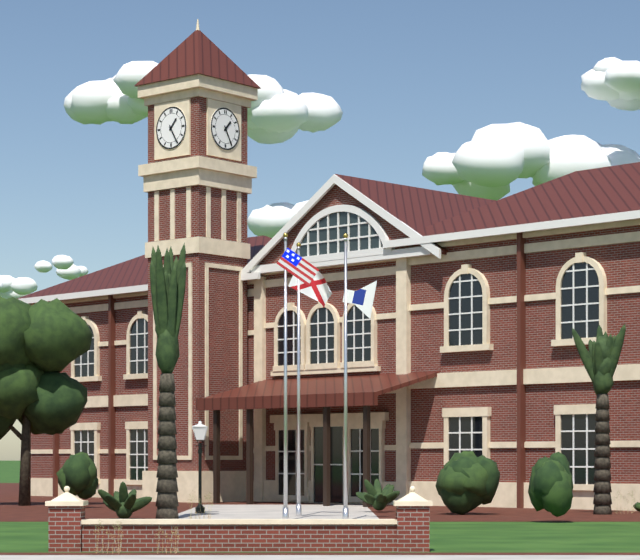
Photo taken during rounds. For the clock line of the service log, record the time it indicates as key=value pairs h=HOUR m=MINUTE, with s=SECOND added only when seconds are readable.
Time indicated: h=1 m=25
